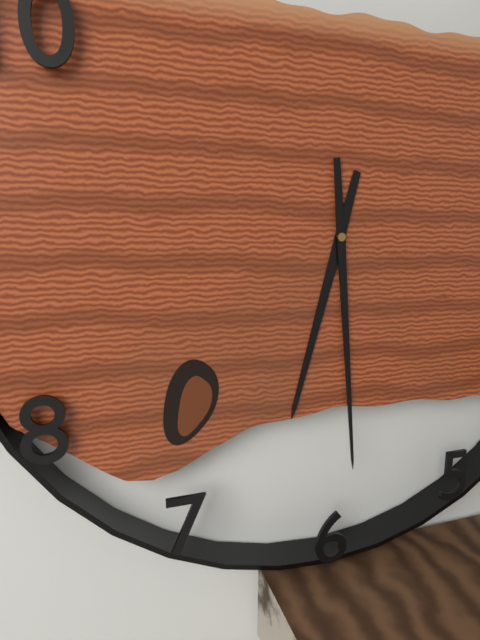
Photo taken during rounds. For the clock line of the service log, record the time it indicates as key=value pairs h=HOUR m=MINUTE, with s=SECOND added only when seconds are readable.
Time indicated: h=6 m=29
